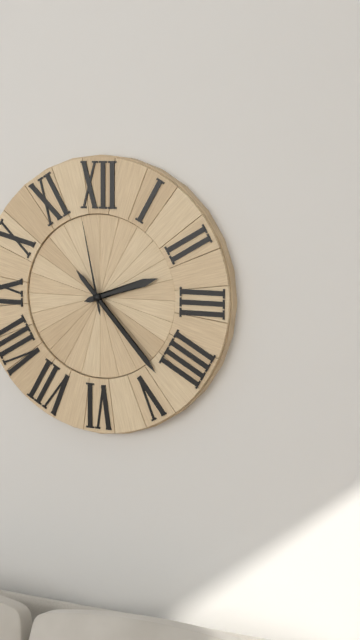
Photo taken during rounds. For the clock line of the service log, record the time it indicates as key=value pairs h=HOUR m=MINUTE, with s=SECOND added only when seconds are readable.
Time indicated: h=2 m=23 s=58
